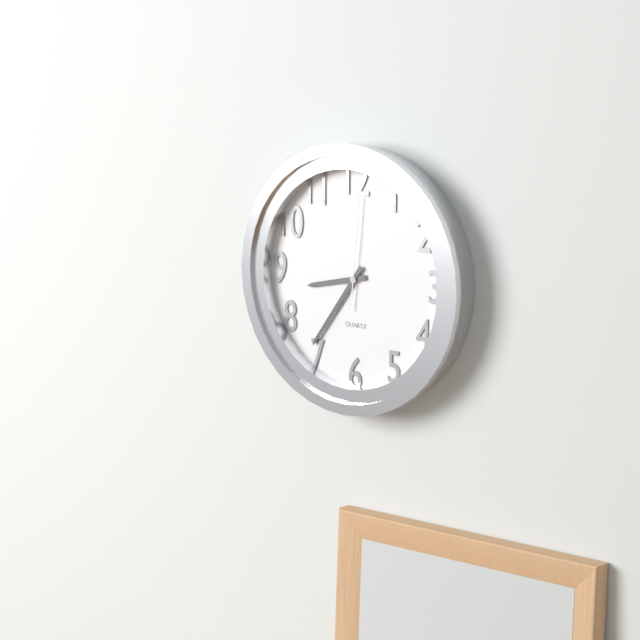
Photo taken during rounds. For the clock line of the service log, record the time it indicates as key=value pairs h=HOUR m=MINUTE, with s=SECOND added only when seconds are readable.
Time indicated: h=8 m=36 s=1
